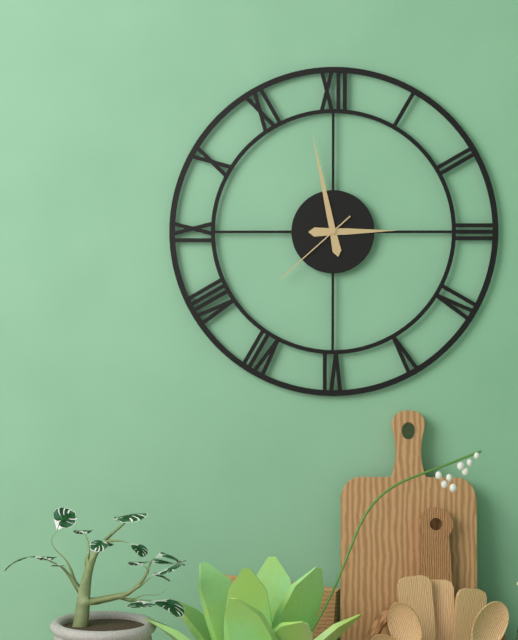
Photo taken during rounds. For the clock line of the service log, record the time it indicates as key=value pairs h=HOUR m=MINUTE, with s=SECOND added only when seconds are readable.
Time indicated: h=2 m=58 s=38
